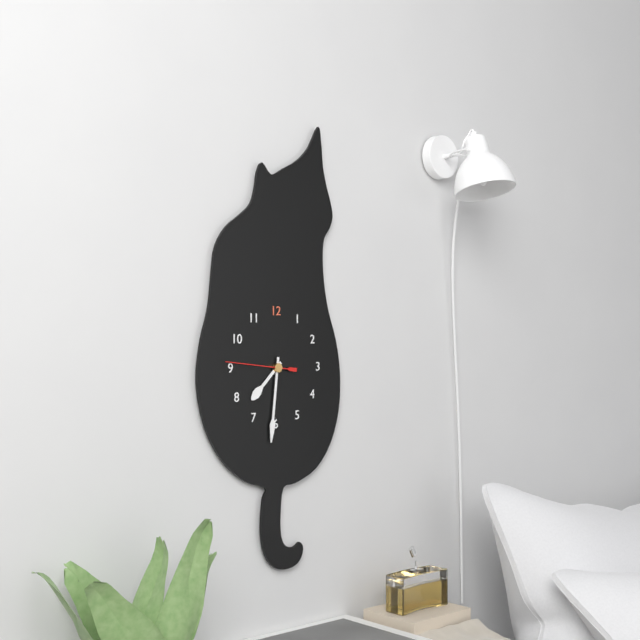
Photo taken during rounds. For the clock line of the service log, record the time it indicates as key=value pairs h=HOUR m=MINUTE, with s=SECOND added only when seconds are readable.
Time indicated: h=7 m=31 s=46
